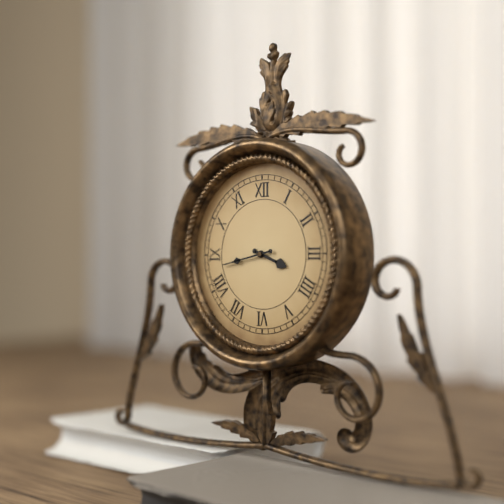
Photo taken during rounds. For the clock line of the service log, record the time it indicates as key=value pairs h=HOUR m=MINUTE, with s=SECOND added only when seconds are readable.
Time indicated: h=3 m=43
